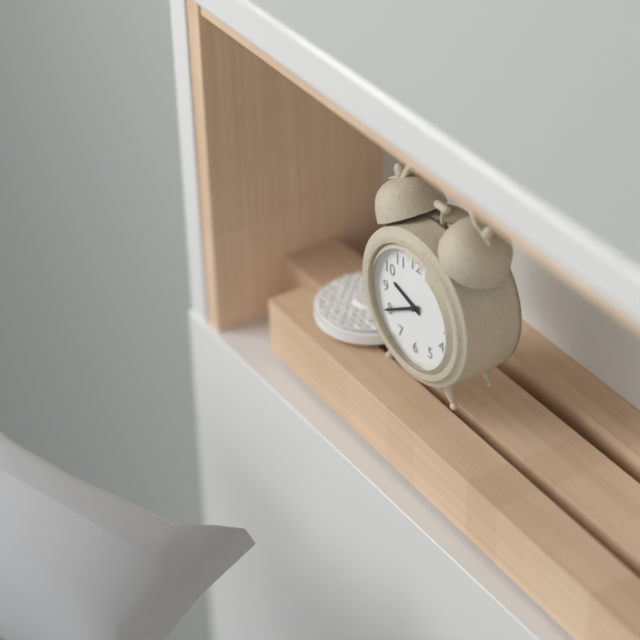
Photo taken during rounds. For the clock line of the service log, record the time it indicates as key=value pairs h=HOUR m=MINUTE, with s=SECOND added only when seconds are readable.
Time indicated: h=9 m=40
